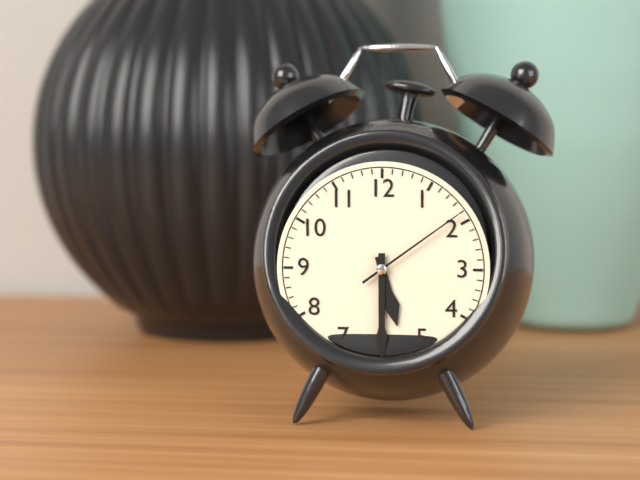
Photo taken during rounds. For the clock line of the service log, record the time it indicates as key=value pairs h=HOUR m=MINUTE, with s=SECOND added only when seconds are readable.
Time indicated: h=5 m=30 s=9
